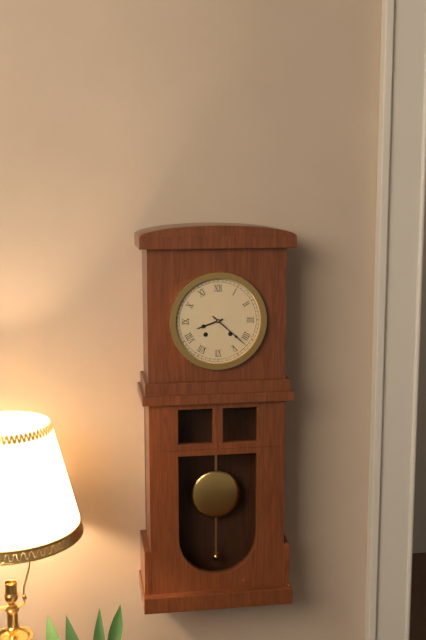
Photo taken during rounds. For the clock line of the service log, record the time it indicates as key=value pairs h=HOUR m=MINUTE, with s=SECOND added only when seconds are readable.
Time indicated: h=8 m=22
